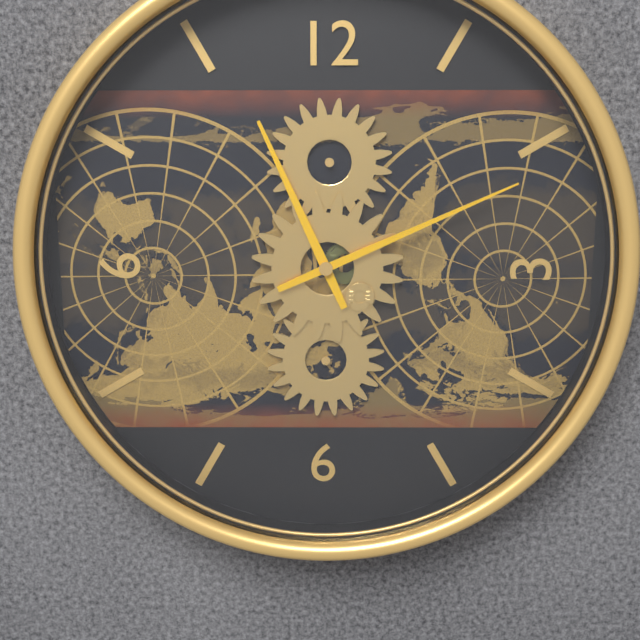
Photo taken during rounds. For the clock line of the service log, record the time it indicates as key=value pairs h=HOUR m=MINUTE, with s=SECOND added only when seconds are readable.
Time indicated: h=11 m=11
